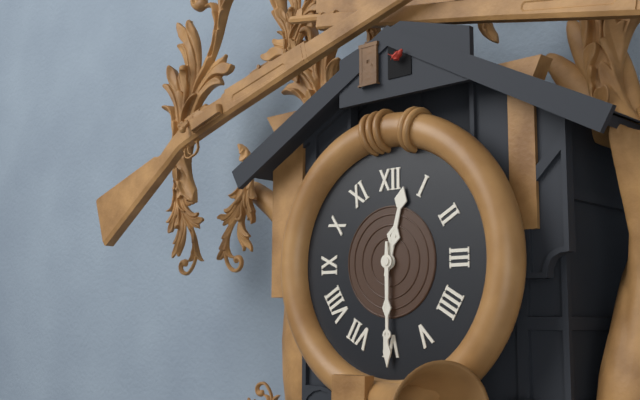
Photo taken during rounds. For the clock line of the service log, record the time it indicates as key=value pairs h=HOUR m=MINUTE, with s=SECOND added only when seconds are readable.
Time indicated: h=12 m=30
